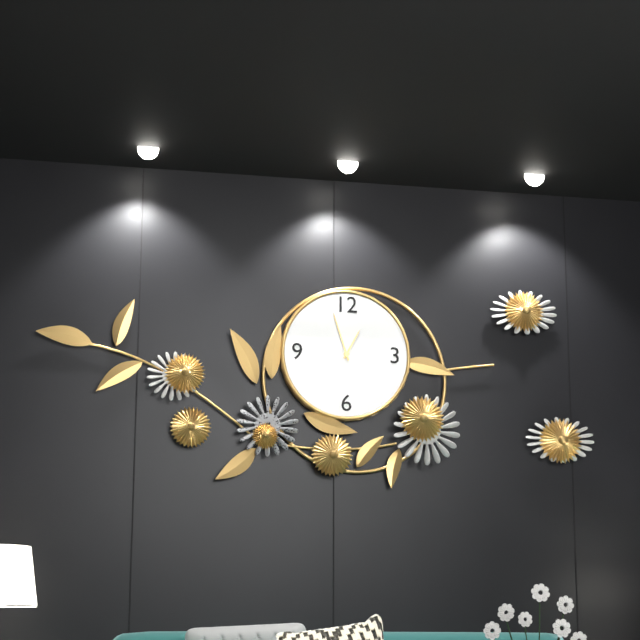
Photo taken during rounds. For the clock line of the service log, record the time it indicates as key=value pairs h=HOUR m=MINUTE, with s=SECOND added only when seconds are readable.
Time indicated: h=12 m=57
